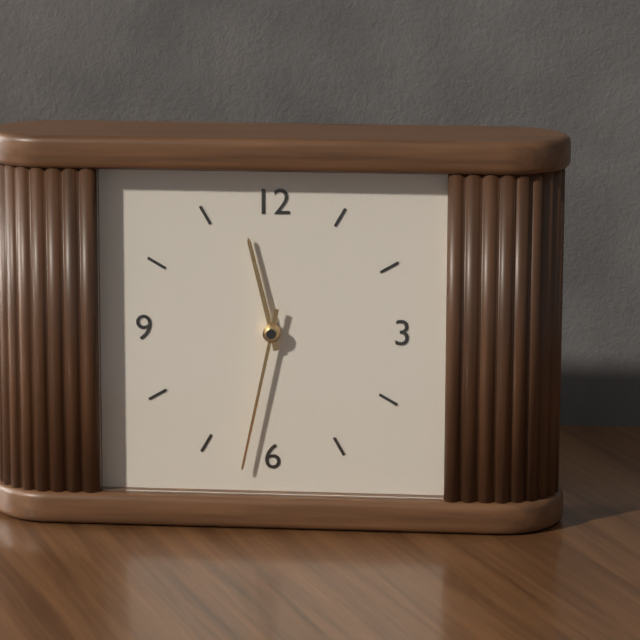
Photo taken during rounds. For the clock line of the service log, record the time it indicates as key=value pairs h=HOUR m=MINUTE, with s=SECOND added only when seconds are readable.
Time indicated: h=11 m=32
